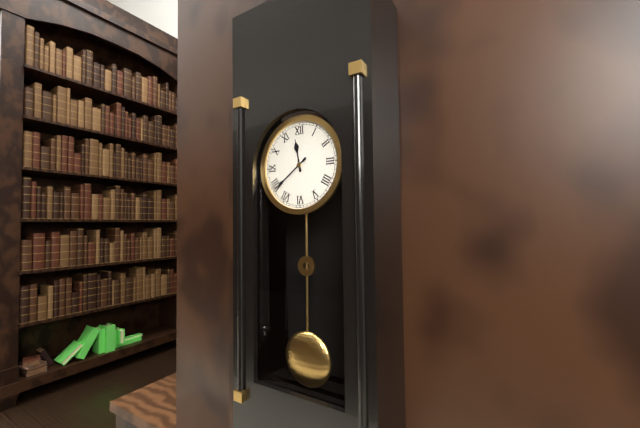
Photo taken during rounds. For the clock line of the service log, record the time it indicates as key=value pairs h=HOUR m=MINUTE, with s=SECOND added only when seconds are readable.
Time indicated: h=11 m=39
